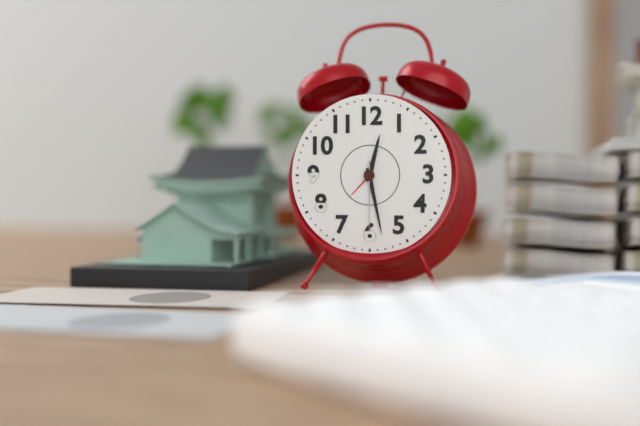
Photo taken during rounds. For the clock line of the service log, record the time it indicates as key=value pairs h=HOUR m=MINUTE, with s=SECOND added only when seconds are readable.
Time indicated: h=12 m=28 s=30
